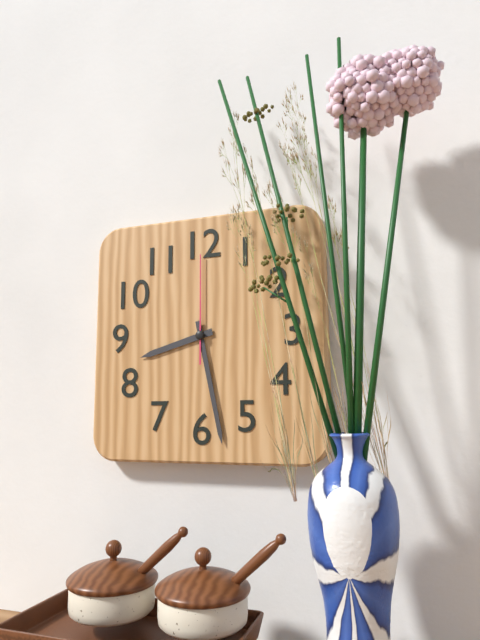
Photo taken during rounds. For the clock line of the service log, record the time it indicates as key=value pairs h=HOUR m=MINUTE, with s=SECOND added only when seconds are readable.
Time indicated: h=8 m=28 s=0
